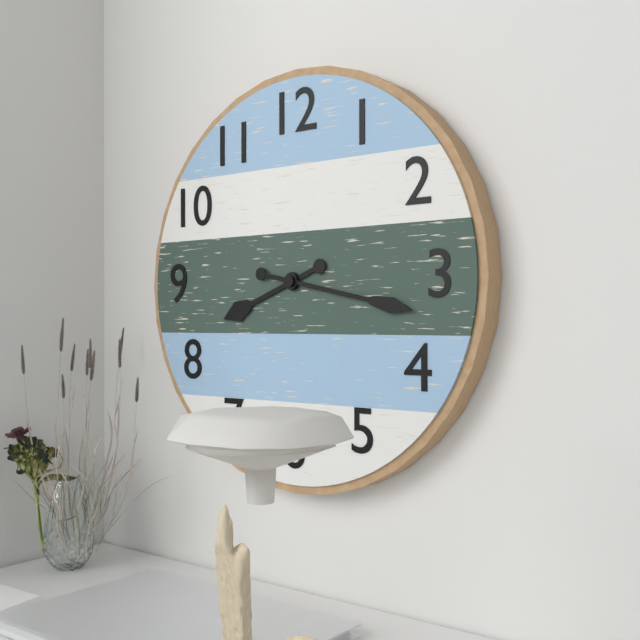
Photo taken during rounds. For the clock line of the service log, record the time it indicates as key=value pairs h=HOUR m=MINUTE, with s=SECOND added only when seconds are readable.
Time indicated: h=8 m=17
